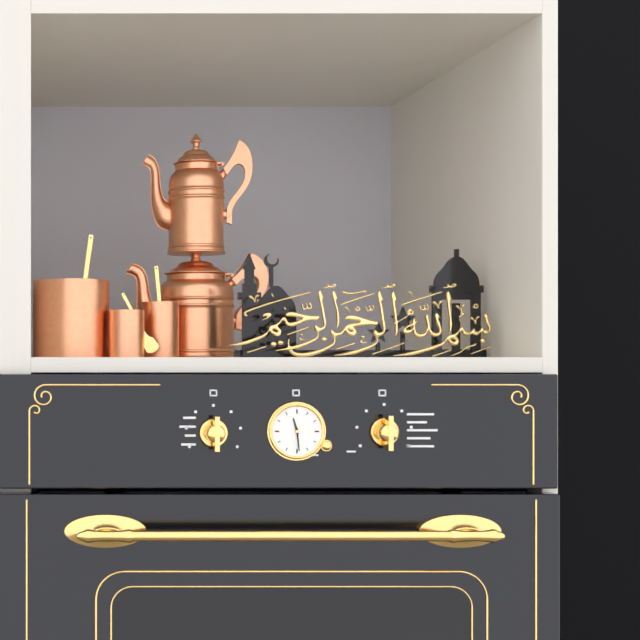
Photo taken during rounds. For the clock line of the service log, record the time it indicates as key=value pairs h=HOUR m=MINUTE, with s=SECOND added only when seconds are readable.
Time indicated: h=11 m=29
